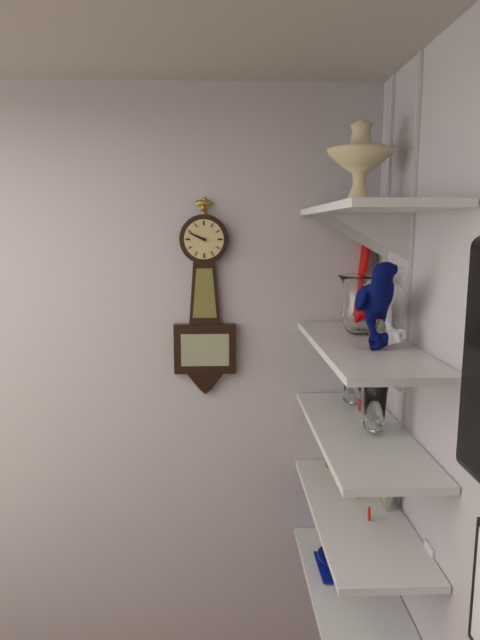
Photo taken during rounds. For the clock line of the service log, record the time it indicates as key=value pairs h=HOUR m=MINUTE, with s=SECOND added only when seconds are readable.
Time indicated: h=9 m=49
